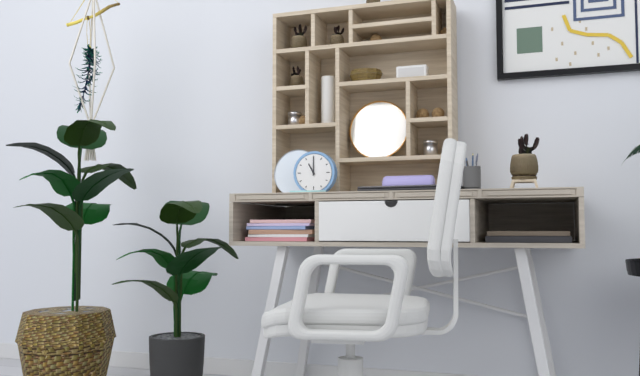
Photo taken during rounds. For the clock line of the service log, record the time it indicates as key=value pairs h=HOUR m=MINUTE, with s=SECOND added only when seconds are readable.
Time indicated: h=11 m=0
